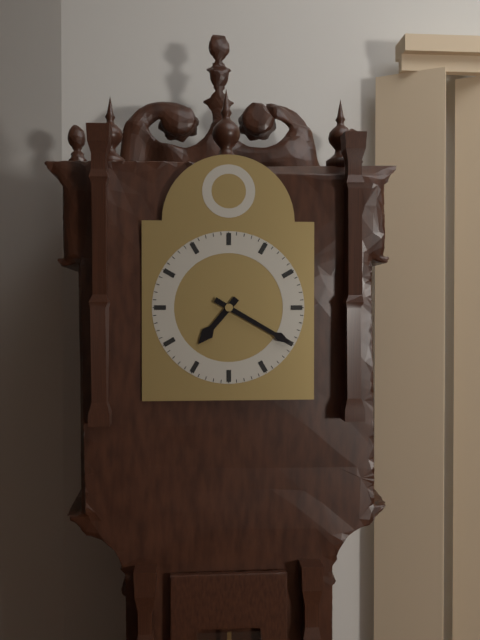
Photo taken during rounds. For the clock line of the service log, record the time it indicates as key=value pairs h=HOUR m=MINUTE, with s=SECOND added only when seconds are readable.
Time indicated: h=7 m=20
